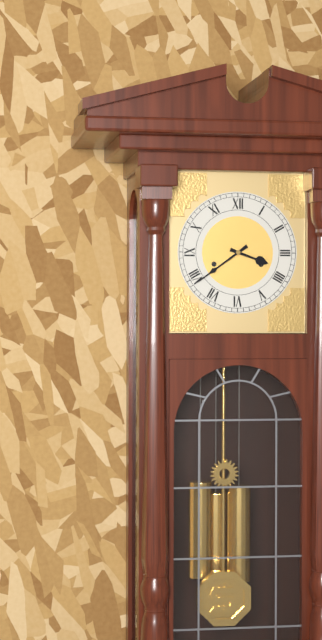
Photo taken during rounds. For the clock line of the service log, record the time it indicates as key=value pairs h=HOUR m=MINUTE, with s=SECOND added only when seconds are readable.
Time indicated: h=3 m=39
